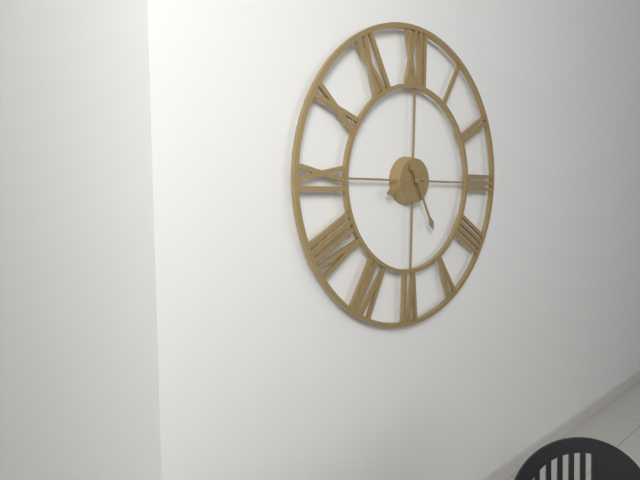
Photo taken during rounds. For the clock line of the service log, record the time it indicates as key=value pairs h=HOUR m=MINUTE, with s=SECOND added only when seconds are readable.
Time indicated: h=8 m=25
